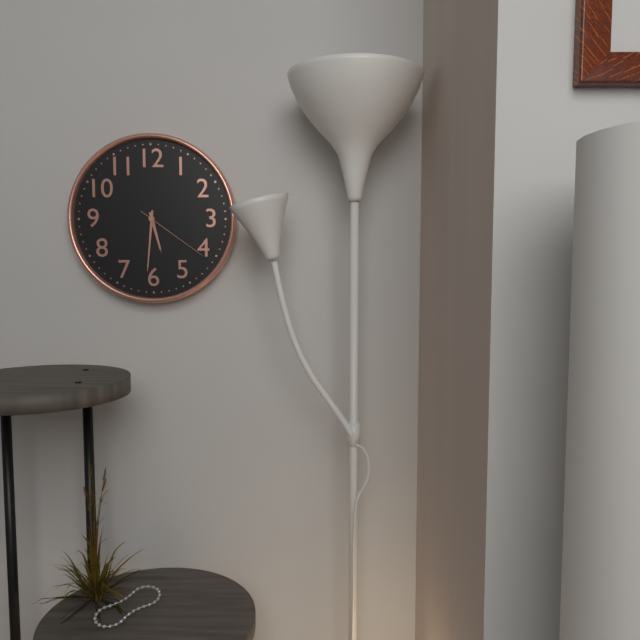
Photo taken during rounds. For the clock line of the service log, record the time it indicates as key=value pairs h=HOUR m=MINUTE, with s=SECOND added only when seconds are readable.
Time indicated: h=5 m=31 s=21
